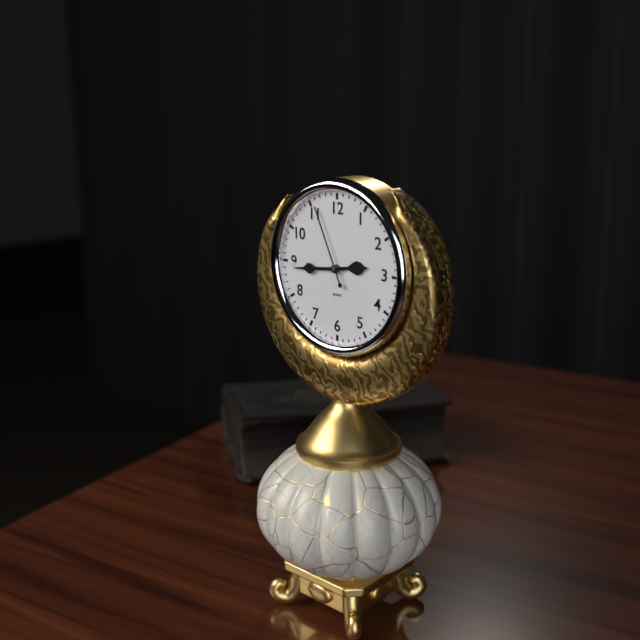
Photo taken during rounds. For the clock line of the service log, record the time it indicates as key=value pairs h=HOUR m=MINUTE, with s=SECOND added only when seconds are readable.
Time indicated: h=2 m=44 s=56
